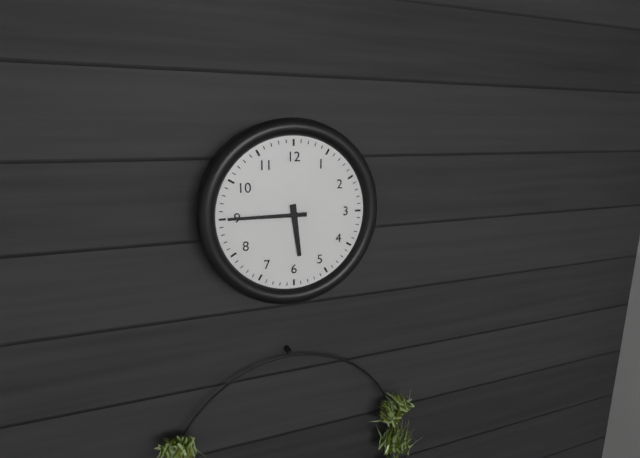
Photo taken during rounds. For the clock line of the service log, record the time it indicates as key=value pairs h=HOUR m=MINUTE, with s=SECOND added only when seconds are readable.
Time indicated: h=5 m=45
